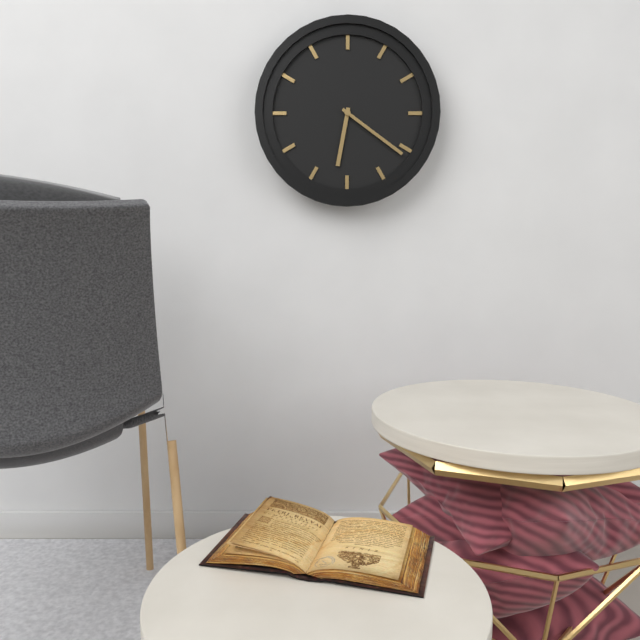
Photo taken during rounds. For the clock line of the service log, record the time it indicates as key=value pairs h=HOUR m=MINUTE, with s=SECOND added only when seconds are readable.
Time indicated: h=6 m=21
